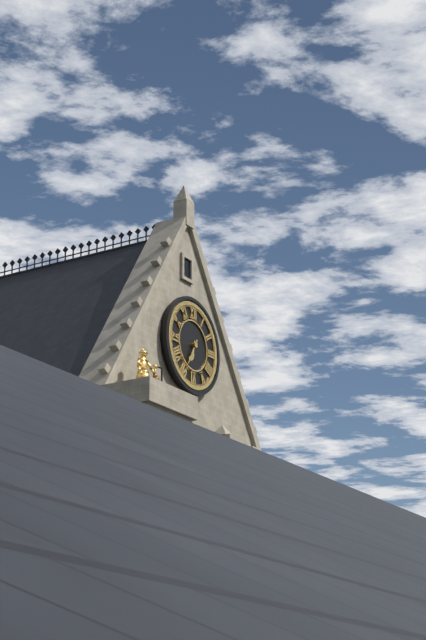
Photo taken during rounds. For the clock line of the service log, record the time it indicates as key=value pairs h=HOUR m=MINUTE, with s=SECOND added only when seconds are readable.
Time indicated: h=6 m=35
